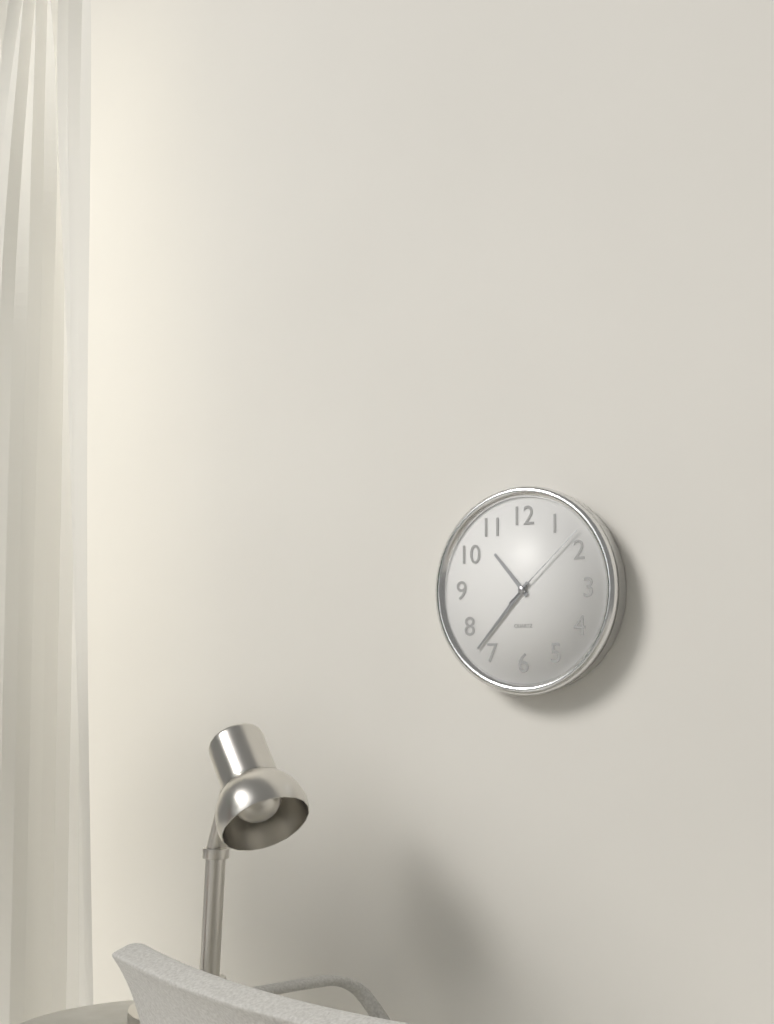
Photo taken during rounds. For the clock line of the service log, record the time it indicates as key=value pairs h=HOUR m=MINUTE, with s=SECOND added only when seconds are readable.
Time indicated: h=10 m=37 s=8
